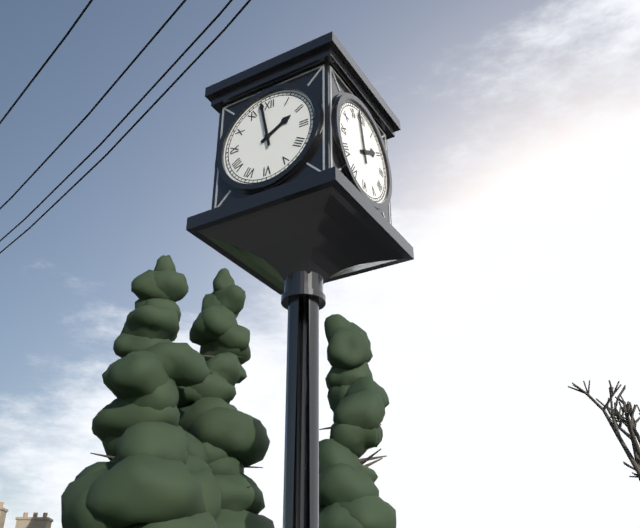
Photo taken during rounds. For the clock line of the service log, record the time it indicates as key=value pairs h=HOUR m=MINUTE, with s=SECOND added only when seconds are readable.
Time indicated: h=1 m=58
